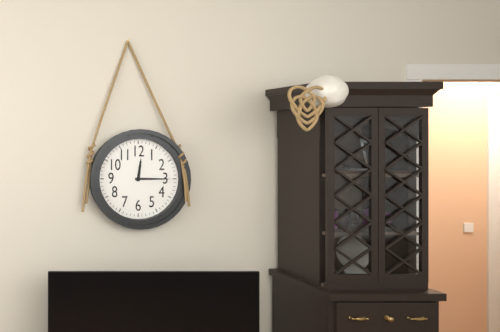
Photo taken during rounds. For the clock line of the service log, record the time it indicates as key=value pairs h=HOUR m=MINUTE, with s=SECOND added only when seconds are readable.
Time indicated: h=12 m=15
